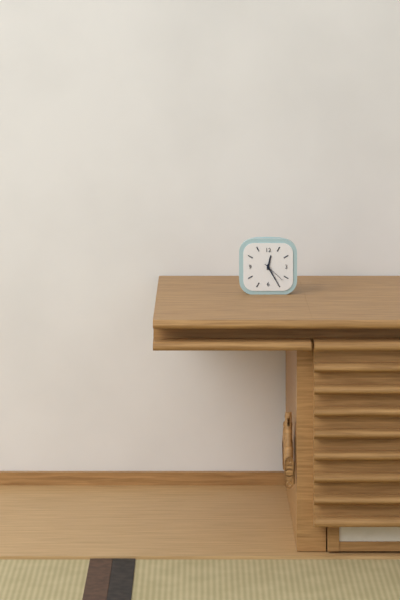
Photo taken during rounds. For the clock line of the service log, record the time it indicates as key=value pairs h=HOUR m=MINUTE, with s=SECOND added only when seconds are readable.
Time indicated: h=12 m=25
